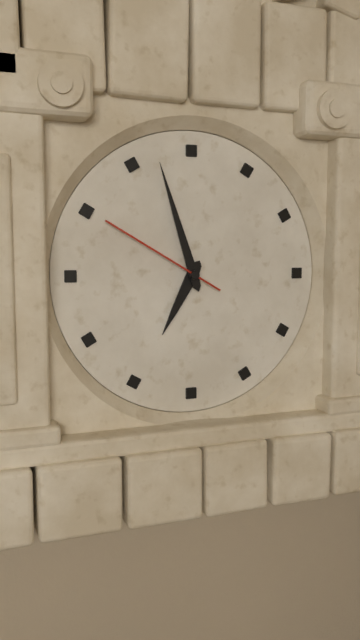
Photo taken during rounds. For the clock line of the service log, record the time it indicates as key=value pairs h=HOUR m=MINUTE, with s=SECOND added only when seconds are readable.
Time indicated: h=6 m=57 s=50
